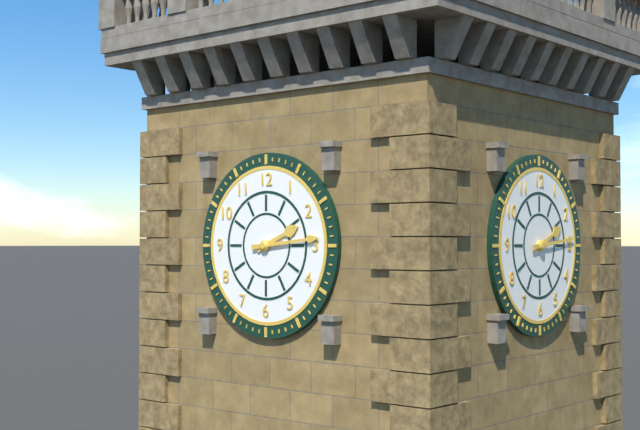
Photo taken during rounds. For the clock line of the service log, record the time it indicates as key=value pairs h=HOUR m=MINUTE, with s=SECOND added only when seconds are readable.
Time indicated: h=2 m=14
